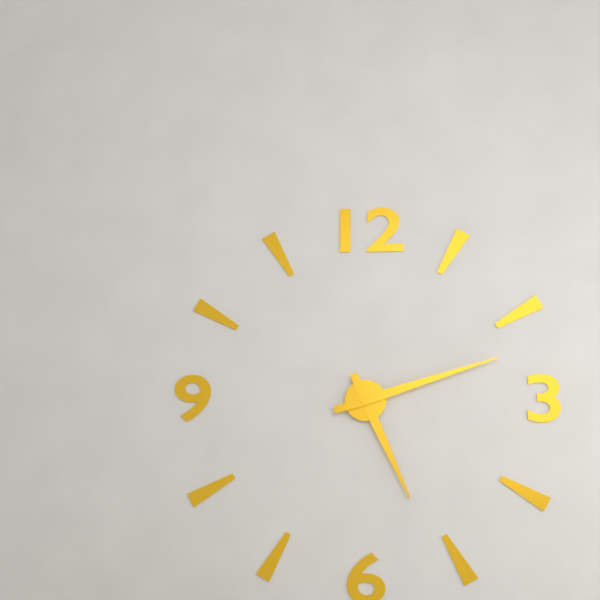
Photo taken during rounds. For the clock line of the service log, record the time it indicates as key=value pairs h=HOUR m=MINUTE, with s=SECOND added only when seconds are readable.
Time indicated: h=5 m=12
